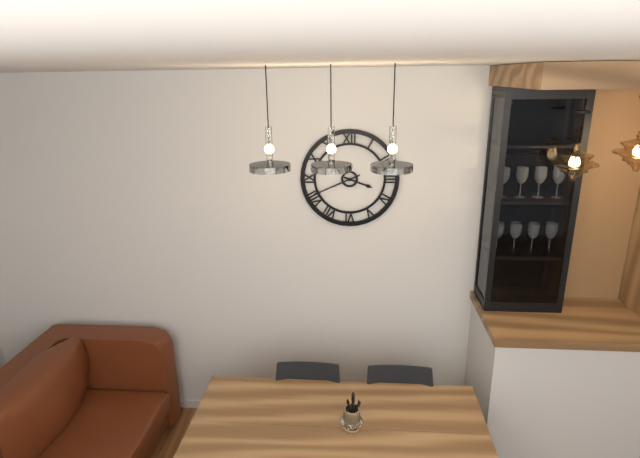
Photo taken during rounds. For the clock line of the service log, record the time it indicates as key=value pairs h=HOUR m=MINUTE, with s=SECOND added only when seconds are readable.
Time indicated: h=3 m=41
